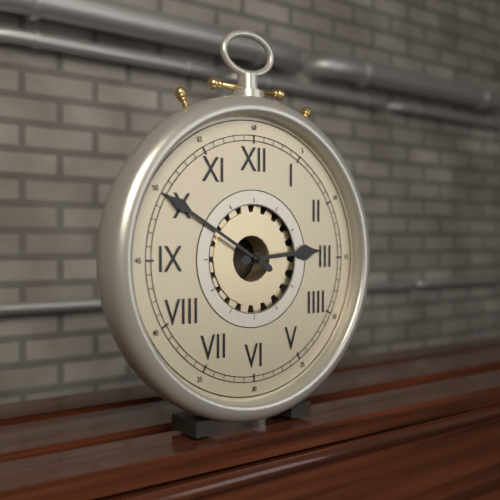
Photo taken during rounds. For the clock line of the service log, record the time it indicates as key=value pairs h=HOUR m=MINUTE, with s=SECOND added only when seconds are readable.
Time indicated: h=2 m=50
